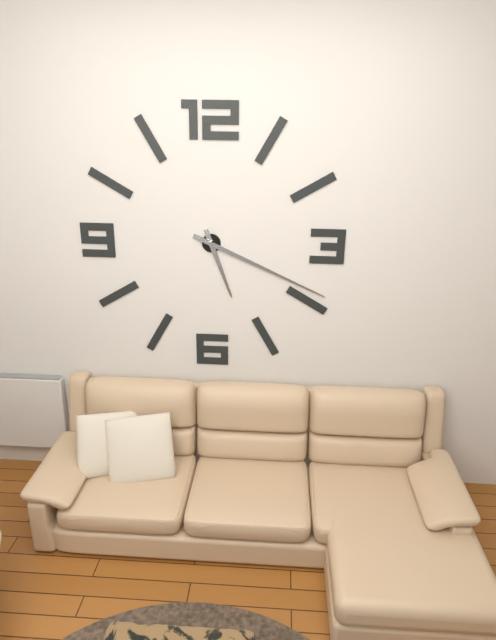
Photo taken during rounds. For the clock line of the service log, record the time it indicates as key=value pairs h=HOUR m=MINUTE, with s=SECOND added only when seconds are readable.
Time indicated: h=5 m=19
